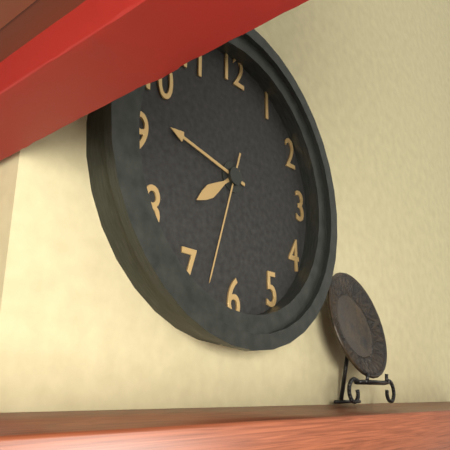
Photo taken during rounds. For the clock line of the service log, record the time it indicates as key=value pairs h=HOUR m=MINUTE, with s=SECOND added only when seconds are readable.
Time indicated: h=7 m=47 s=33
